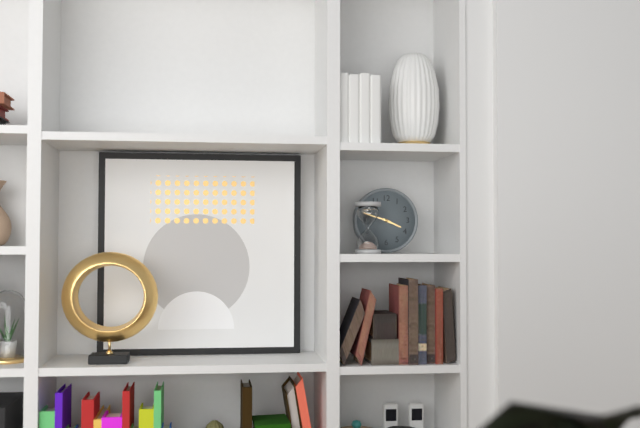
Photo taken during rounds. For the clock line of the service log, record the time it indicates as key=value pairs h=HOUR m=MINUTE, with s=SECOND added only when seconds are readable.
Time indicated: h=3 m=48
